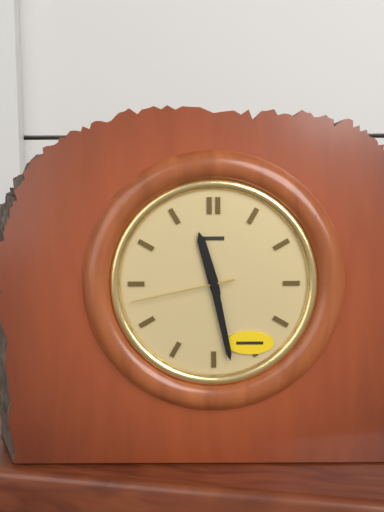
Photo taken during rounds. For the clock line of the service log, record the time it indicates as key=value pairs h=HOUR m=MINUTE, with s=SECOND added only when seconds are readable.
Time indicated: h=11 m=28 s=43
